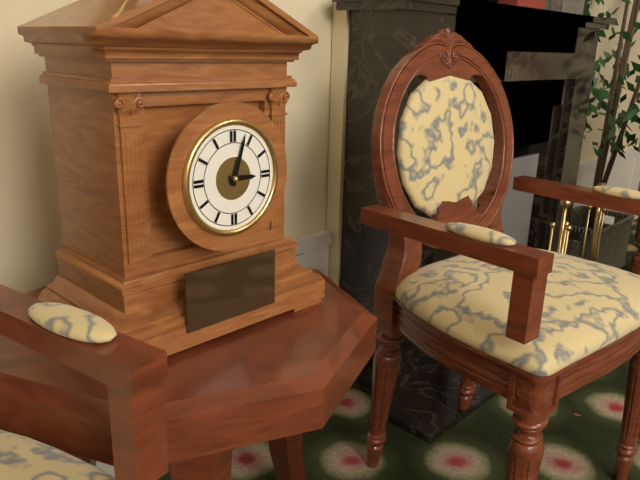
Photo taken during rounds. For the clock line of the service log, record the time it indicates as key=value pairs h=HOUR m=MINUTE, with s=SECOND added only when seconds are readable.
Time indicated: h=3 m=3
